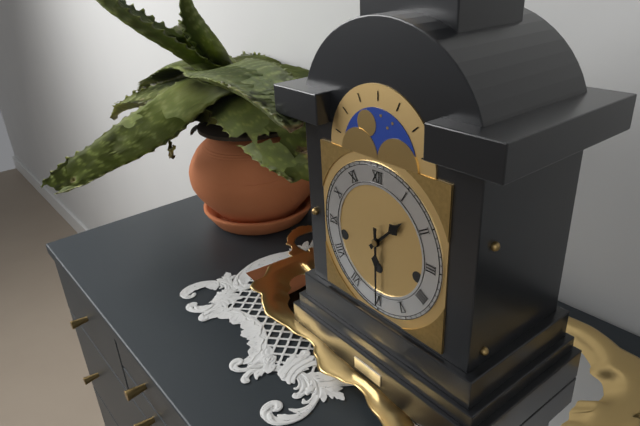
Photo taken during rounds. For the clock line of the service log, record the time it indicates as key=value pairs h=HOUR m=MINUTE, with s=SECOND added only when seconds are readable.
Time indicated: h=1 m=30
